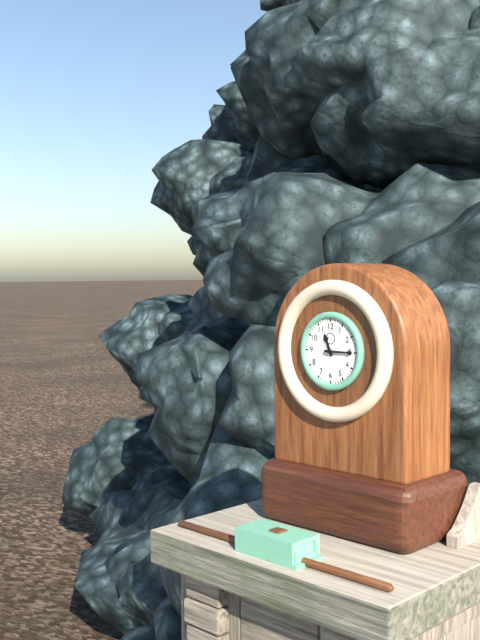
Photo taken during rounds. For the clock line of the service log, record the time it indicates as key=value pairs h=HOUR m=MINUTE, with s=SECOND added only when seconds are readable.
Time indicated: h=11 m=15
